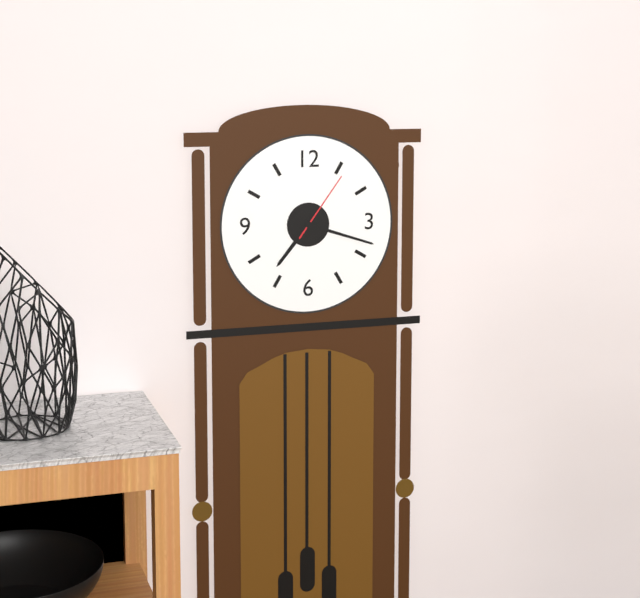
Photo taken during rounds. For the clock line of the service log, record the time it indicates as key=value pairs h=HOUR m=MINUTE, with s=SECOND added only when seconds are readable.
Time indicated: h=7 m=18 s=6
